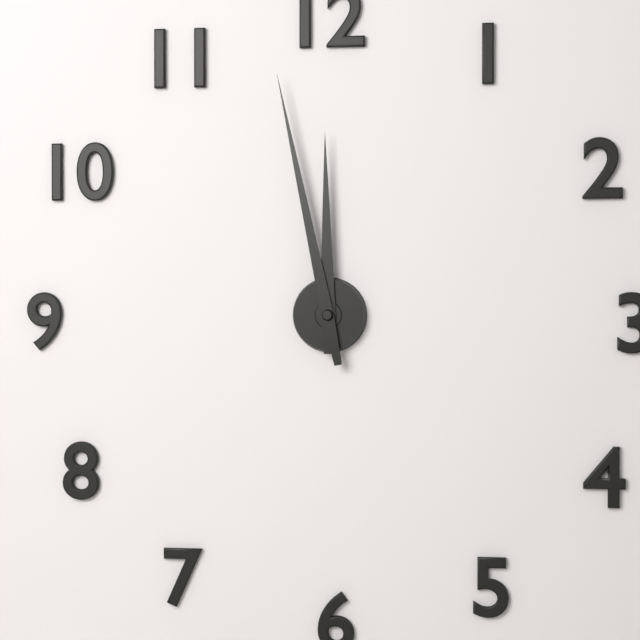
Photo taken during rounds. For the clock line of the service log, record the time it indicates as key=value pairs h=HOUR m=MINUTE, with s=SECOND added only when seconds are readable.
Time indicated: h=11 m=58
